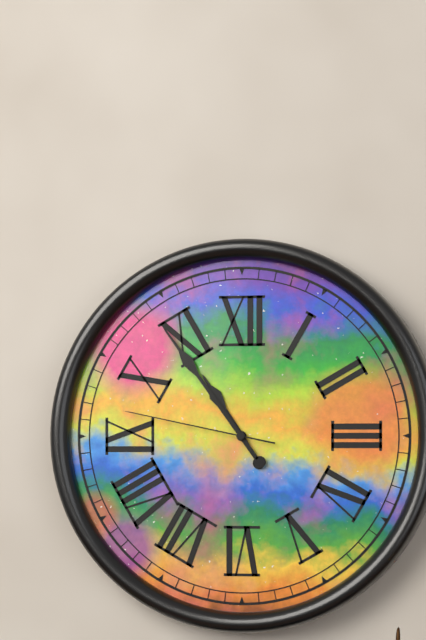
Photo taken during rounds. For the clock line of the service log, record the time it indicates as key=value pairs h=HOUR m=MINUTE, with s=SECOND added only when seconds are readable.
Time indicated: h=10 m=54 s=47
